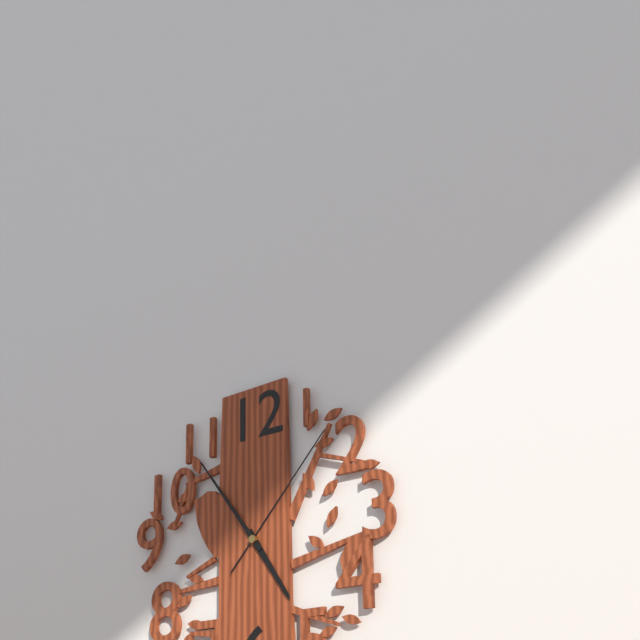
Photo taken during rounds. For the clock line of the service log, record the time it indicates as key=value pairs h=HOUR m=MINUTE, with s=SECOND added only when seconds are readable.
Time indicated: h=4 m=54 s=7
